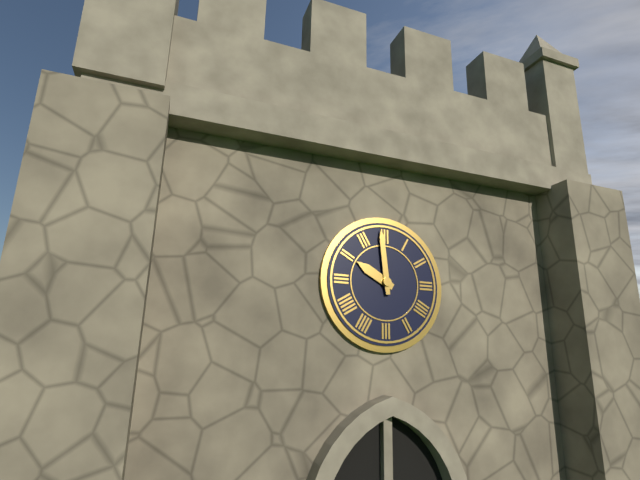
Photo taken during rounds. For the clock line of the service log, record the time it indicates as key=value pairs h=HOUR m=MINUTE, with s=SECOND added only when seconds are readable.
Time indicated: h=9 m=59
